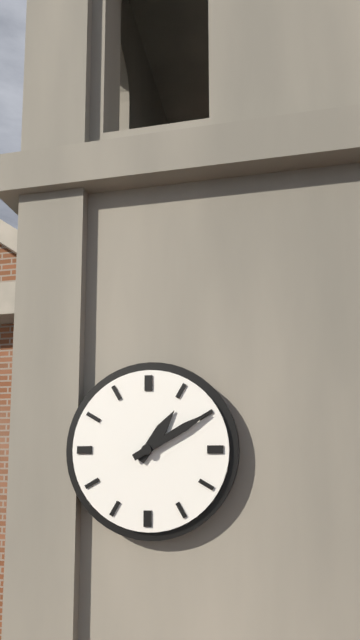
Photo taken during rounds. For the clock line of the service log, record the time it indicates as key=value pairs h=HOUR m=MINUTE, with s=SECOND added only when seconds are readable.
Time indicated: h=1 m=10
